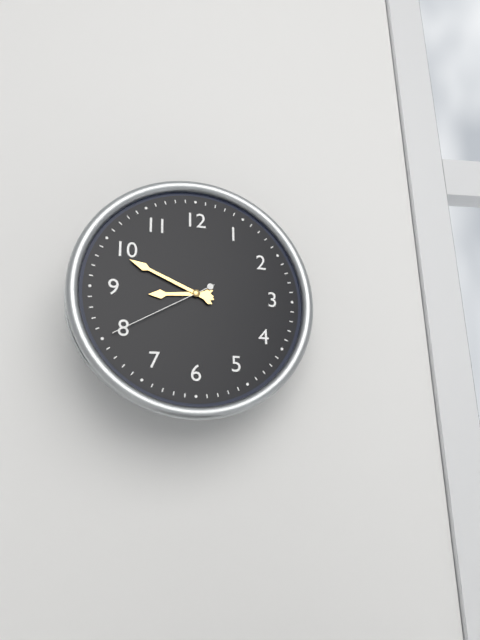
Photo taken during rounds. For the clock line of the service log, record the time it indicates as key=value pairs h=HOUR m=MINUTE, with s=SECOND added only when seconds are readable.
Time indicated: h=8 m=49 s=40
